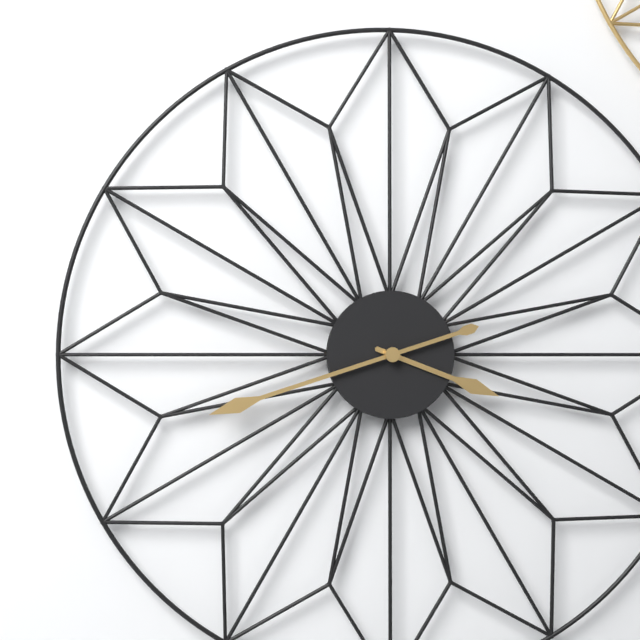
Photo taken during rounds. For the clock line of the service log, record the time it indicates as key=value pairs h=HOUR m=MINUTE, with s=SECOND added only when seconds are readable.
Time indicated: h=3 m=42
